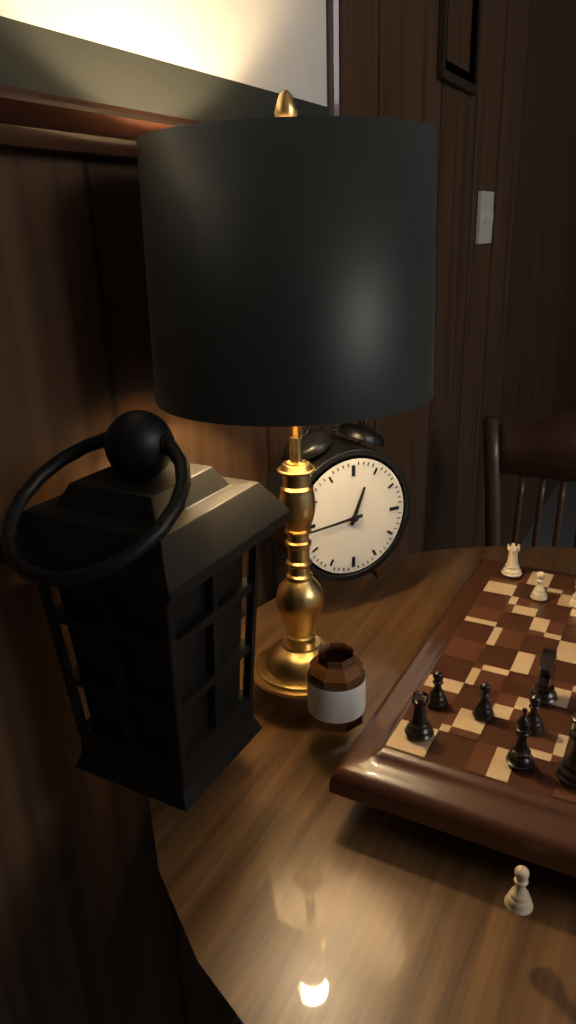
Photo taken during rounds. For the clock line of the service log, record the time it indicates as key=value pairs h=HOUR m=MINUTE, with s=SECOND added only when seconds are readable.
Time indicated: h=12 m=44
